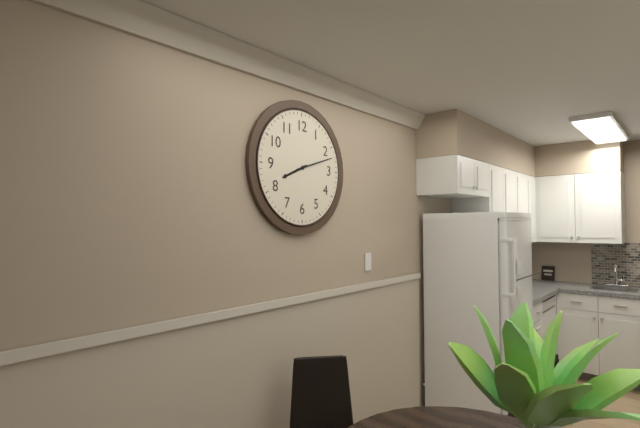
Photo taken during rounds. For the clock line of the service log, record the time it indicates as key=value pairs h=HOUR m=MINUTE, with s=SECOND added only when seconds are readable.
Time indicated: h=8 m=12
